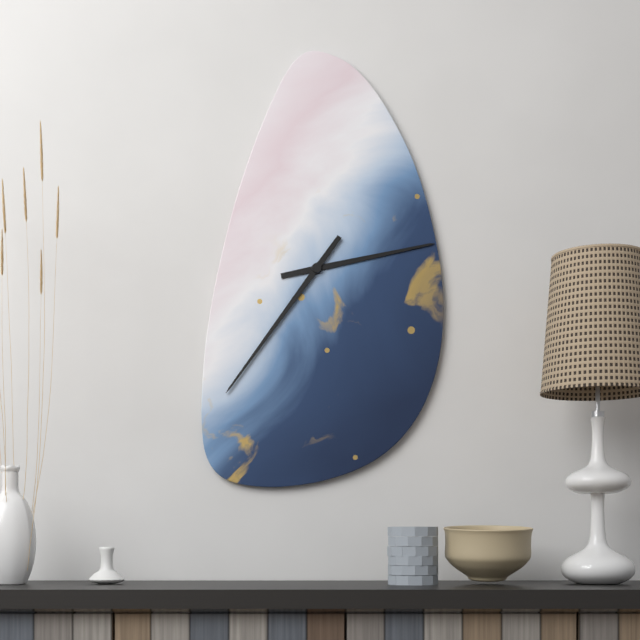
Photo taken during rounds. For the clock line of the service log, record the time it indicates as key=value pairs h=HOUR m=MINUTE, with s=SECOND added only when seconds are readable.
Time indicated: h=2 m=36
